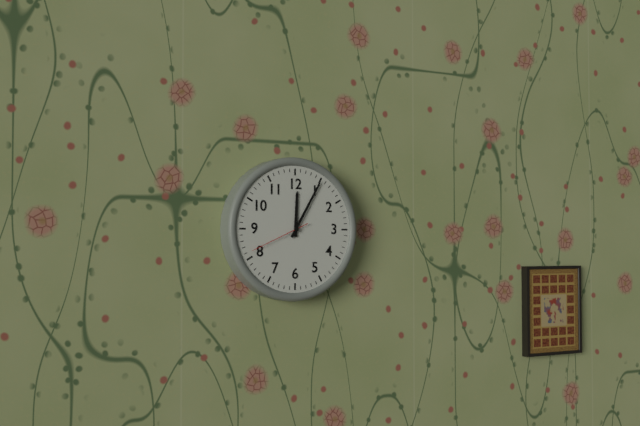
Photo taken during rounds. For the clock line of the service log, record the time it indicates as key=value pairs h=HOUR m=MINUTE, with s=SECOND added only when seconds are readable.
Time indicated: h=12 m=5 s=41
